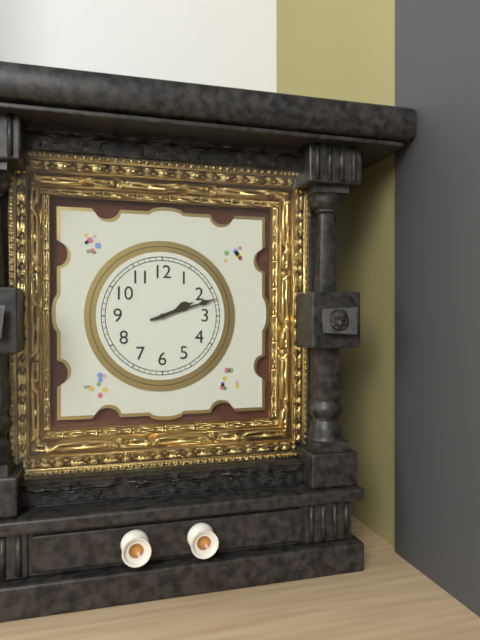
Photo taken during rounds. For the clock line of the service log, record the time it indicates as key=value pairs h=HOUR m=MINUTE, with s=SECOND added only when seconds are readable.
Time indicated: h=2 m=12
